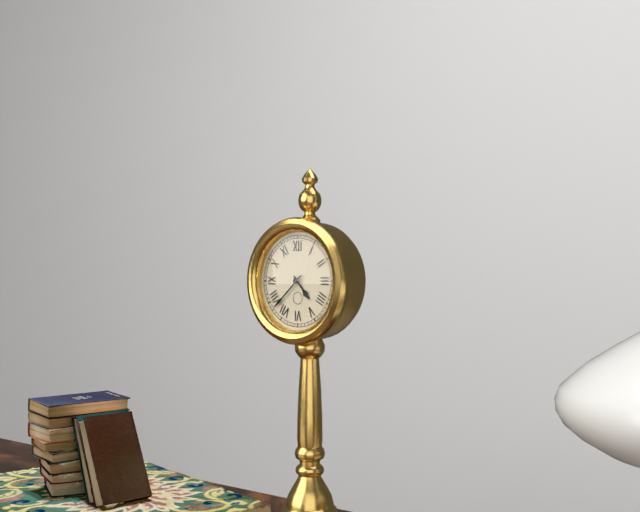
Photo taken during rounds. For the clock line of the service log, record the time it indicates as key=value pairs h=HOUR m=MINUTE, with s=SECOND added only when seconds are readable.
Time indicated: h=4 m=38
